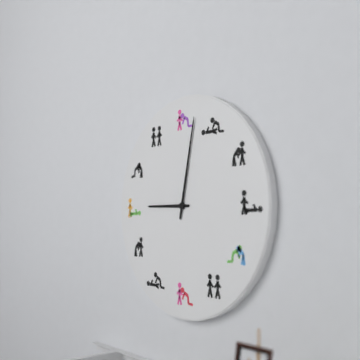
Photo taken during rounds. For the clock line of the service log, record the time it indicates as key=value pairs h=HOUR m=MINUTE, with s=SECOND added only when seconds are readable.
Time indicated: h=9 m=2
